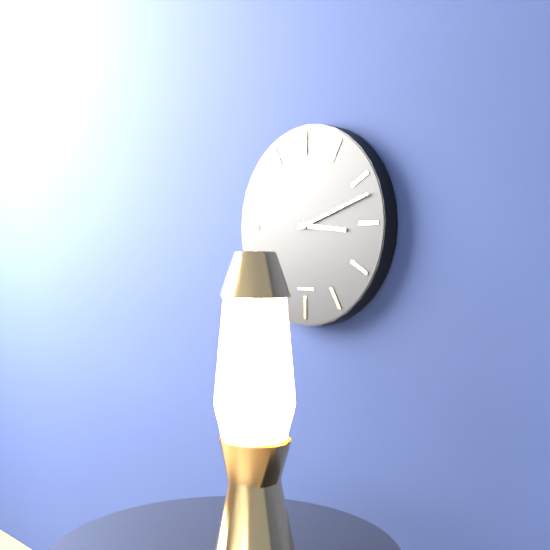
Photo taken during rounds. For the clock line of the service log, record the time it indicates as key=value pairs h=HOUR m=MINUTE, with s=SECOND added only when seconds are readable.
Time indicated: h=3 m=12
